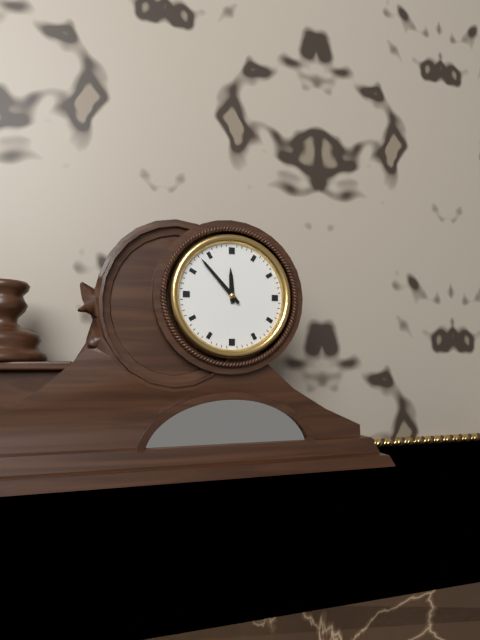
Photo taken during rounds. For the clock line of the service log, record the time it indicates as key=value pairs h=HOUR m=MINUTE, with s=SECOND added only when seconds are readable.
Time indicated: h=11 m=53
